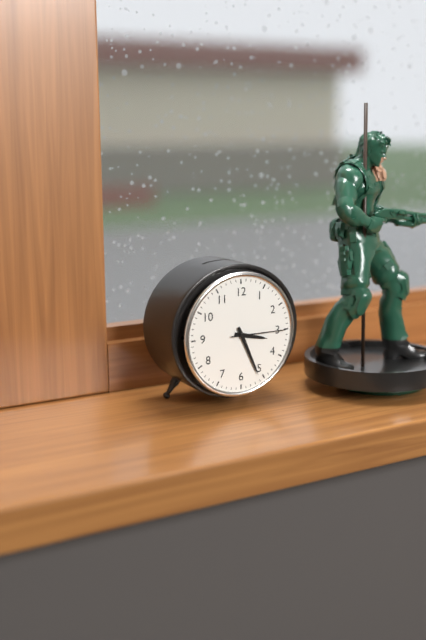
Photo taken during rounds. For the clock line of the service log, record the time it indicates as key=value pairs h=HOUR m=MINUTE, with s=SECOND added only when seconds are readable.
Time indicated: h=3 m=26 s=15
